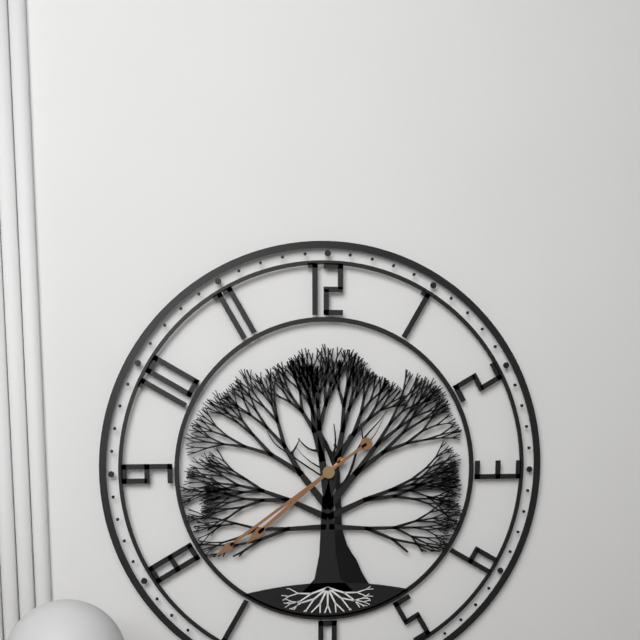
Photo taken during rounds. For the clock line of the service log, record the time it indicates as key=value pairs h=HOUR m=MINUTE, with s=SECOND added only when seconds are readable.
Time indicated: h=7 m=39
